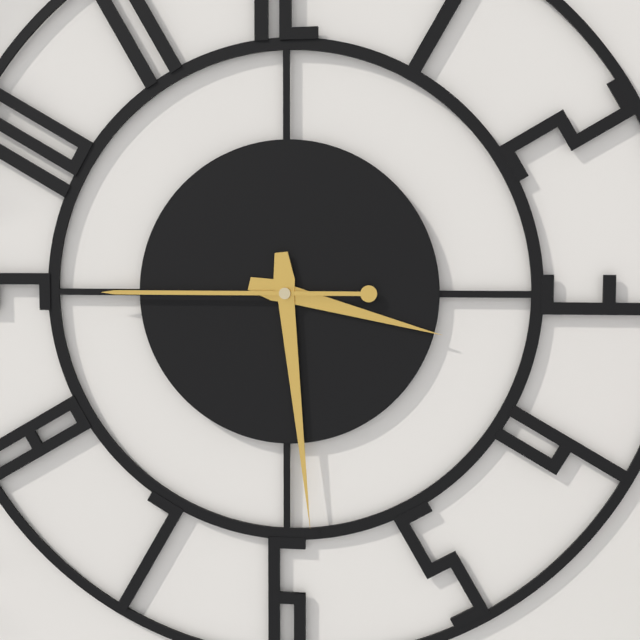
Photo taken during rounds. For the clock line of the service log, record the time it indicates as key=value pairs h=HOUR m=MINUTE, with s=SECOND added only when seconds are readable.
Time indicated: h=3 m=29 s=45
